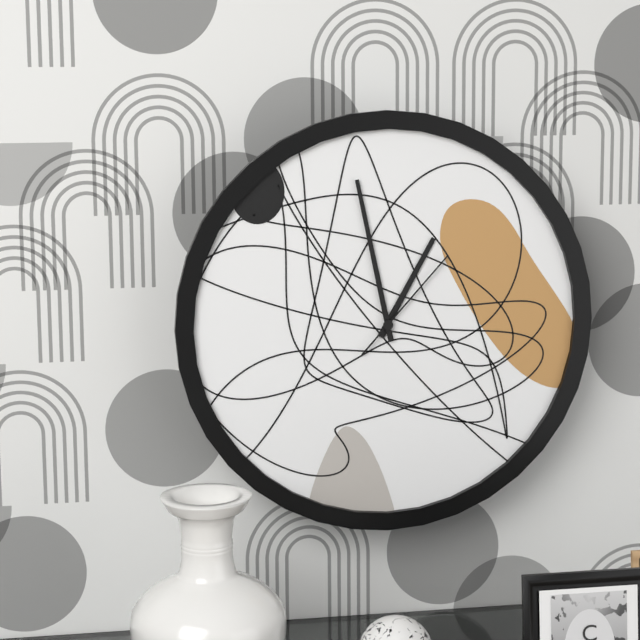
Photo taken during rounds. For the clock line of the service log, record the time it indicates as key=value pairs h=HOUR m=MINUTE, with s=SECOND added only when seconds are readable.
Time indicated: h=12 m=58 s=7
